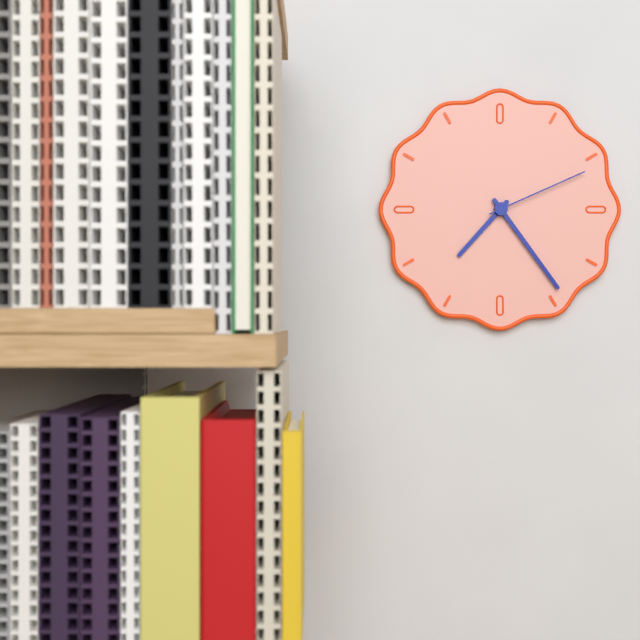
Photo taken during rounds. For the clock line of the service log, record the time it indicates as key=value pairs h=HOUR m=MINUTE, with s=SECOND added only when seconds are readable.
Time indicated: h=7 m=24 s=11
